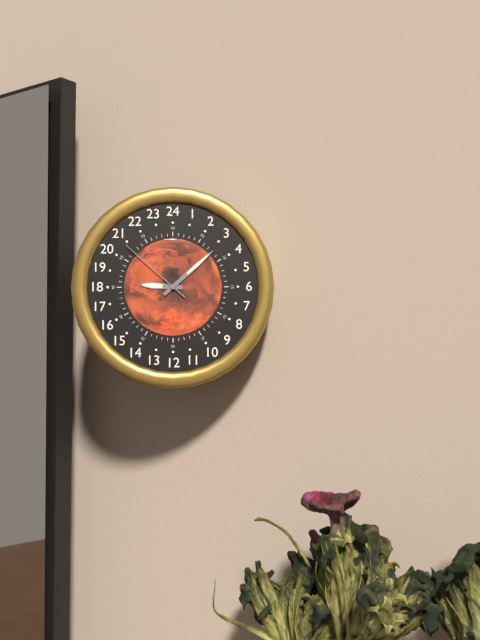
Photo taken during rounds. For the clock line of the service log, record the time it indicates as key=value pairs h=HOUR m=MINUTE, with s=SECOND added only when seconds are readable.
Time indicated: h=9 m=8 s=52
